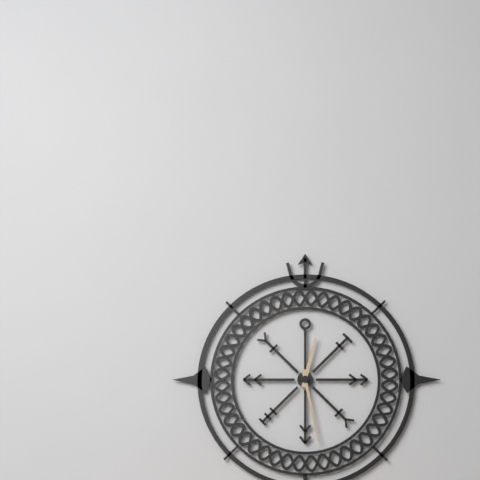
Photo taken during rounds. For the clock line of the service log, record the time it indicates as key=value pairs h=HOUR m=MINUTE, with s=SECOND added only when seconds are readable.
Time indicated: h=12 m=28
